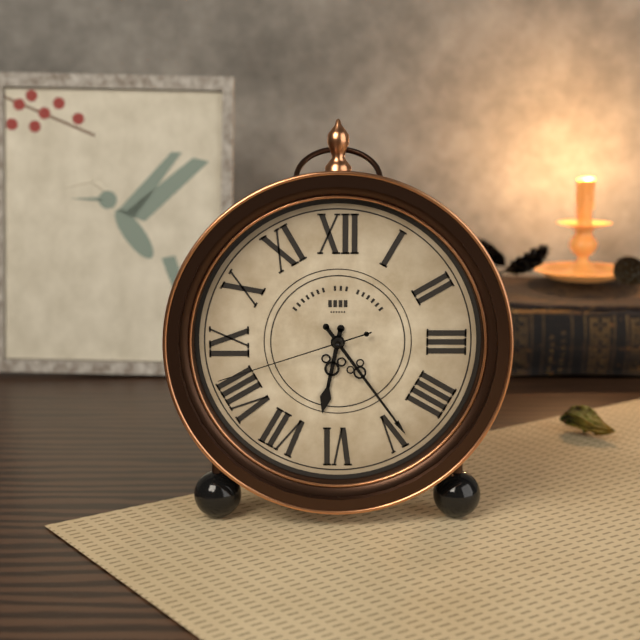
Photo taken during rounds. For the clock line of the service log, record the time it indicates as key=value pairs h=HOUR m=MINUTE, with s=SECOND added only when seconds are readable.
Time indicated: h=6 m=24 s=42
